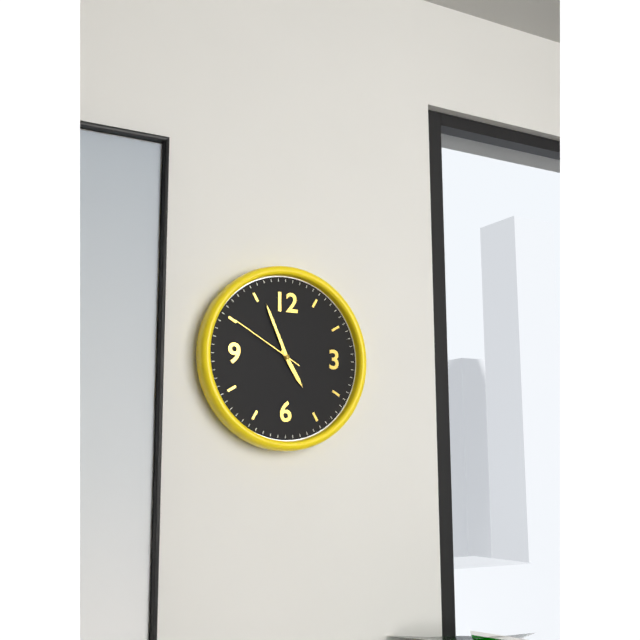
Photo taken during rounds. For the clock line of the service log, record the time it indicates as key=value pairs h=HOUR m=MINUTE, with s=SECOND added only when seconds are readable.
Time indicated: h=4 m=56 s=50
